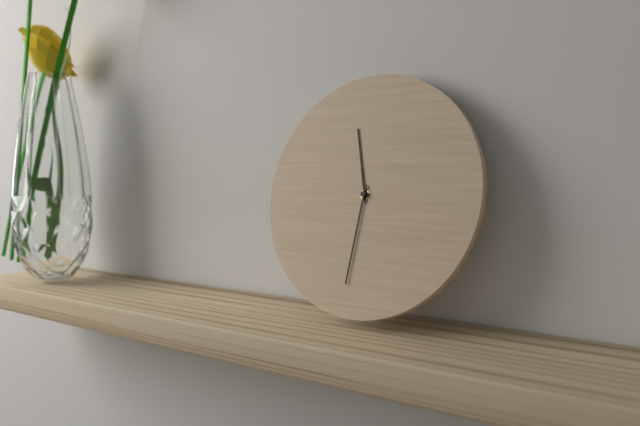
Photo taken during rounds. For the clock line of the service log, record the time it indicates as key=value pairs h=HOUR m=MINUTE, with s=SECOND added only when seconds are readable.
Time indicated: h=11 m=31
